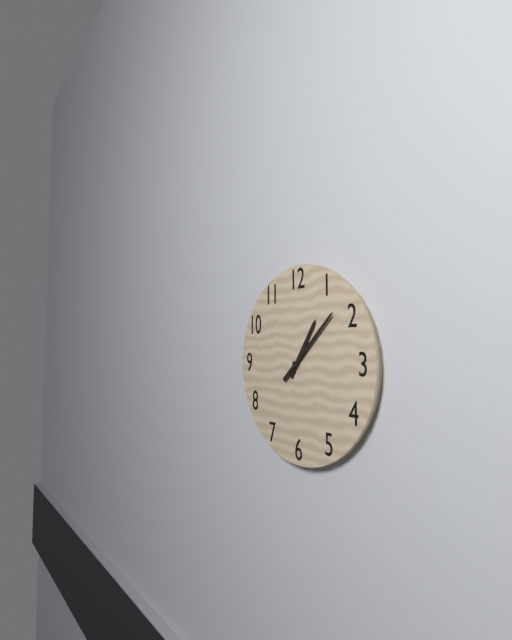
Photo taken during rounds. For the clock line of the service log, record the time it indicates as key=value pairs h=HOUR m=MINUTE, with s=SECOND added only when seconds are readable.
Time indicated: h=1 m=8
